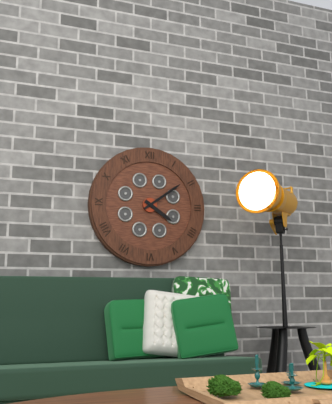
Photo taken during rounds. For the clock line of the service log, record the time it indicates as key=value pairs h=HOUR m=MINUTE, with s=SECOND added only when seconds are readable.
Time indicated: h=4 m=9
